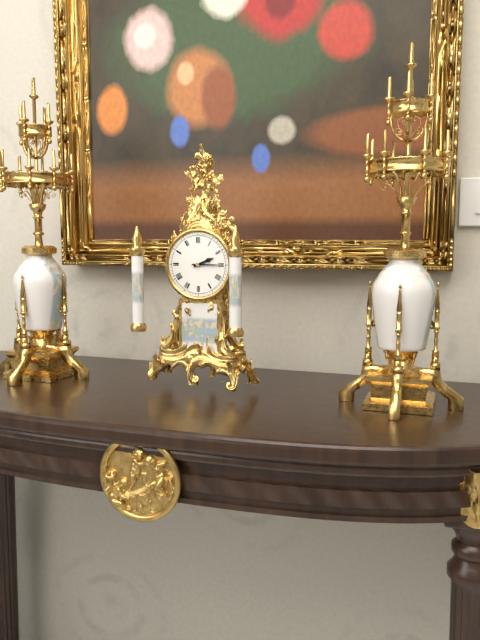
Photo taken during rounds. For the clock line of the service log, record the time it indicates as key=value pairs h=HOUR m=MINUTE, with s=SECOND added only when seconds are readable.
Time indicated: h=2 m=15
